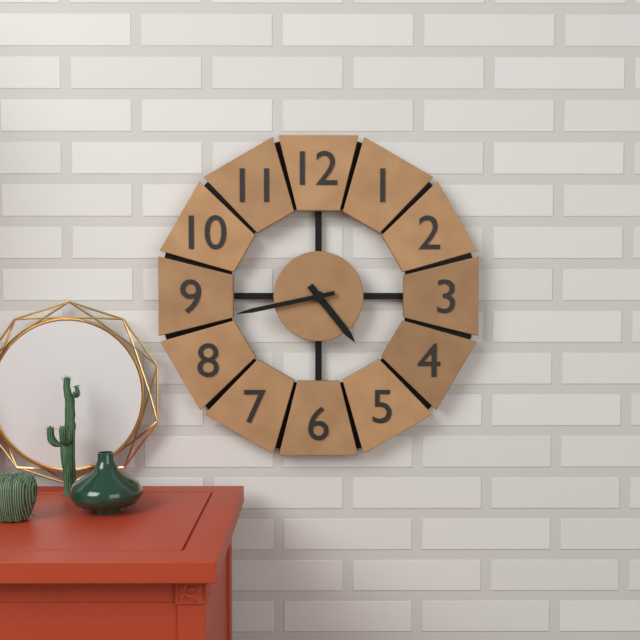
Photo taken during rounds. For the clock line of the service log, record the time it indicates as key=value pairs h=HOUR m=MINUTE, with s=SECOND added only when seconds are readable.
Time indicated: h=4 m=43
